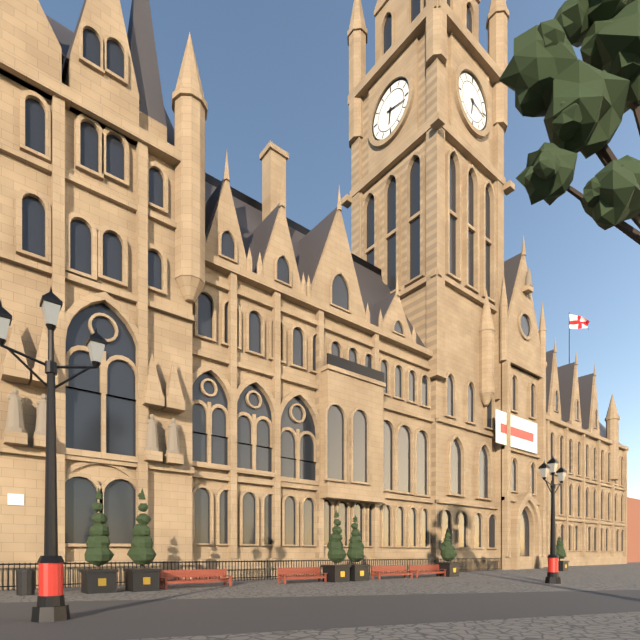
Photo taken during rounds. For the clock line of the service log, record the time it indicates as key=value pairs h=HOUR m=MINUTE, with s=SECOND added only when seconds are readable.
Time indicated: h=6 m=17
